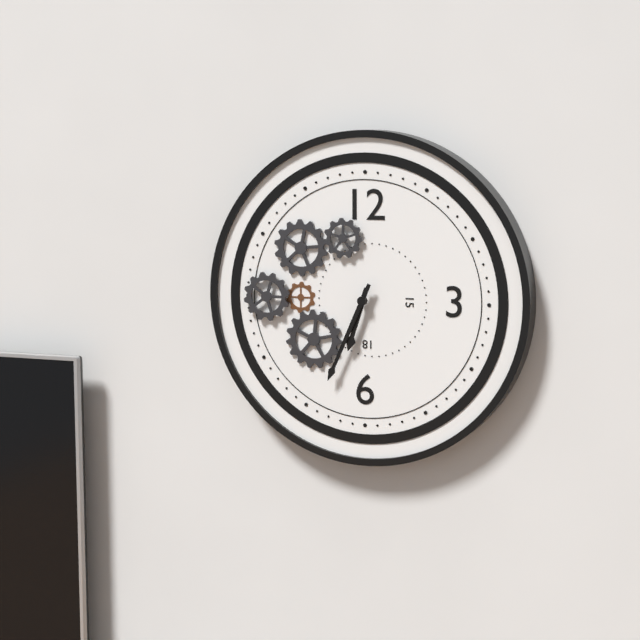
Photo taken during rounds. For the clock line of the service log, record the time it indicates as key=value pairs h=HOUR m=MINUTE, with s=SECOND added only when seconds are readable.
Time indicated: h=6 m=34
